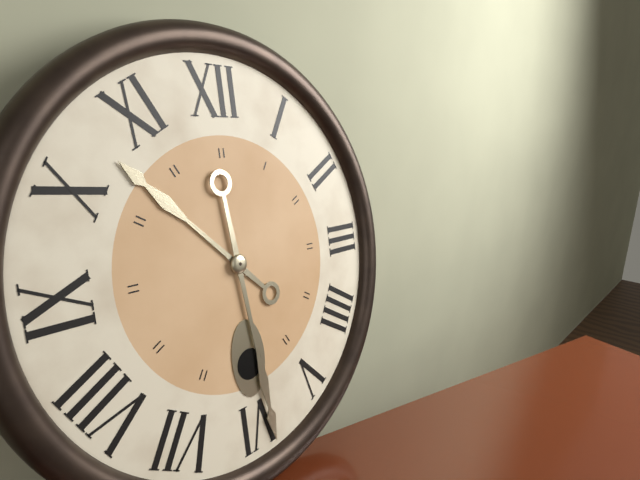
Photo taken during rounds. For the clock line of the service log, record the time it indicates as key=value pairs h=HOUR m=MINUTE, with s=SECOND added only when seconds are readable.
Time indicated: h=10 m=29
